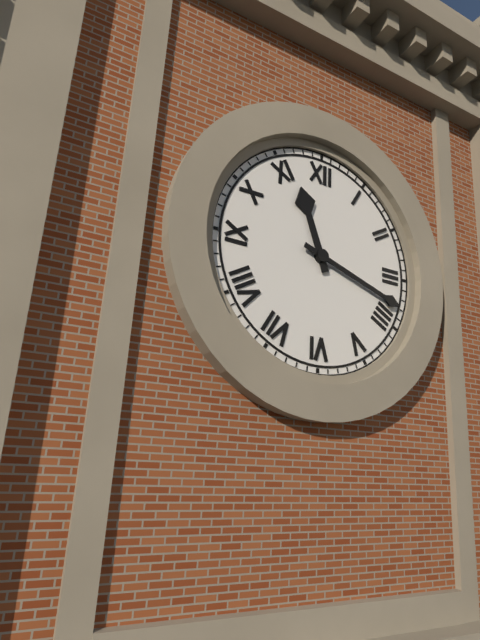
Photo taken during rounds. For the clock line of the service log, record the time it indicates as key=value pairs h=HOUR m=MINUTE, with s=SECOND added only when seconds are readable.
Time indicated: h=11 m=18
